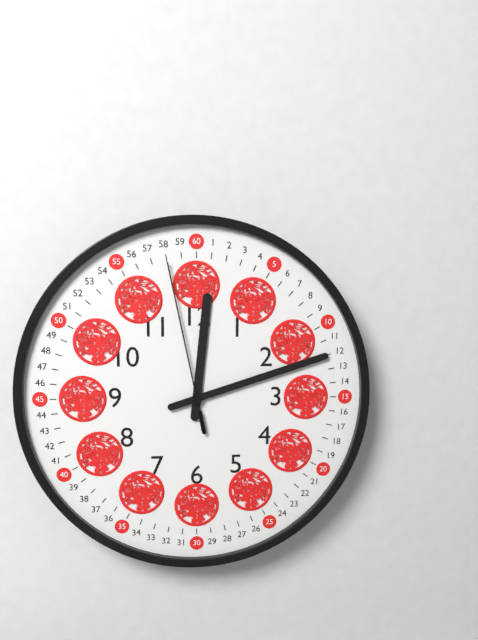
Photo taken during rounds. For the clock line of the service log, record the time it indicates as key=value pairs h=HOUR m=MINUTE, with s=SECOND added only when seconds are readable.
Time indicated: h=12 m=12 s=58
